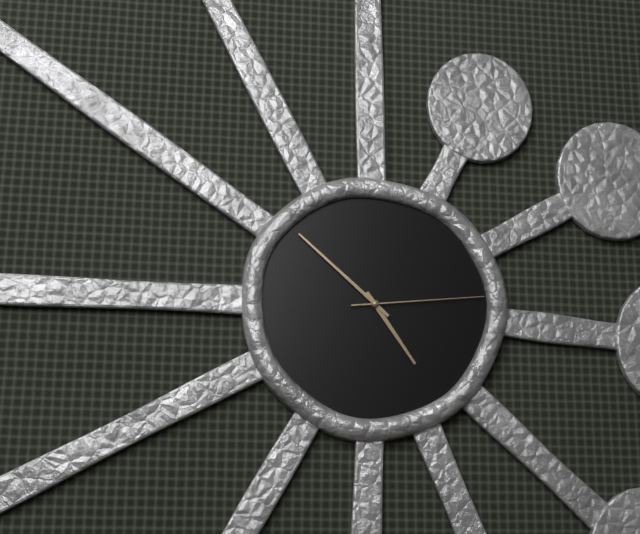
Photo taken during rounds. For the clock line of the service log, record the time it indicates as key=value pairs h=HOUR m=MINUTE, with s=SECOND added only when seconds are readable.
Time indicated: h=4 m=52 s=14
